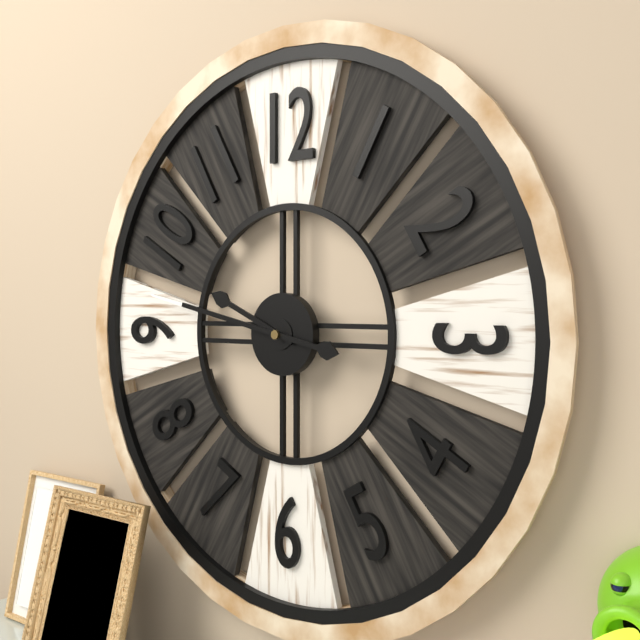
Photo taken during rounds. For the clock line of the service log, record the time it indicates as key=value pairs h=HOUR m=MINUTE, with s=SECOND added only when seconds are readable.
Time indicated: h=9 m=47
